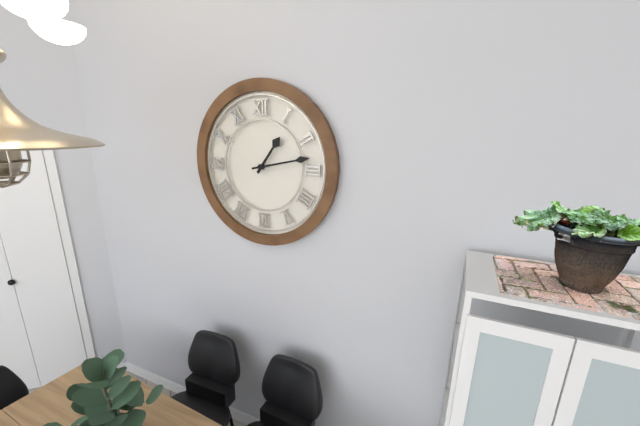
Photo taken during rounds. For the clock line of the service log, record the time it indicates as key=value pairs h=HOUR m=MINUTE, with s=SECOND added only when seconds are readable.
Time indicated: h=1 m=13
